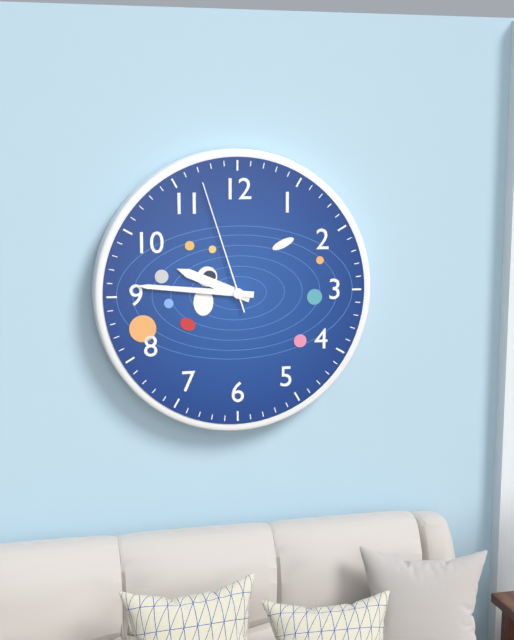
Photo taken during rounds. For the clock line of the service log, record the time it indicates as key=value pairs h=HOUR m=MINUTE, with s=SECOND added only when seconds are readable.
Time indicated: h=9 m=46 s=57
